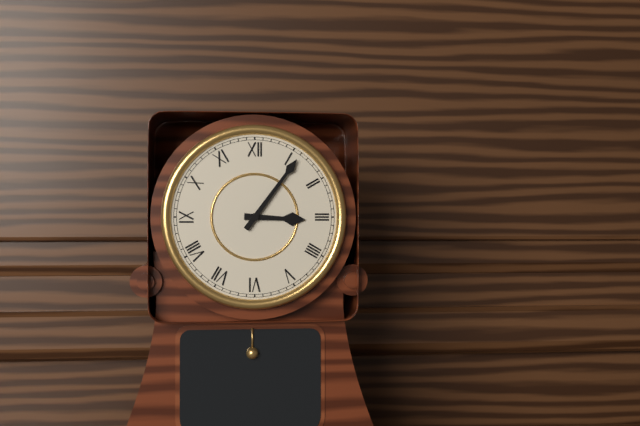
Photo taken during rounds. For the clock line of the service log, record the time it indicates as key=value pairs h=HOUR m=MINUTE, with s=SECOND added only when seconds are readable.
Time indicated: h=3 m=6
